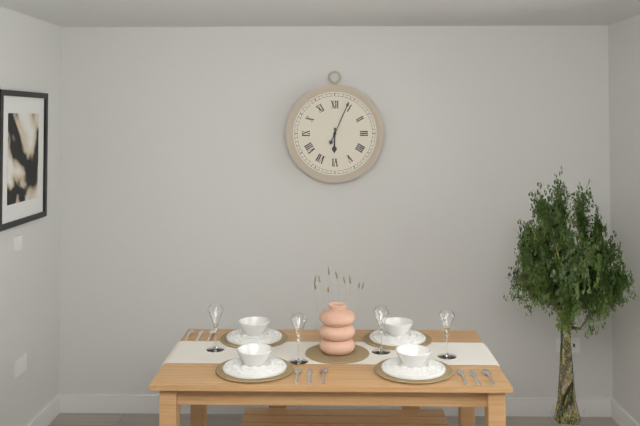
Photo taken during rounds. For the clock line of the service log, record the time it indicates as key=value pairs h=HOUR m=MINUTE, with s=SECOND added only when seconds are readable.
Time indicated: h=6 m=4
